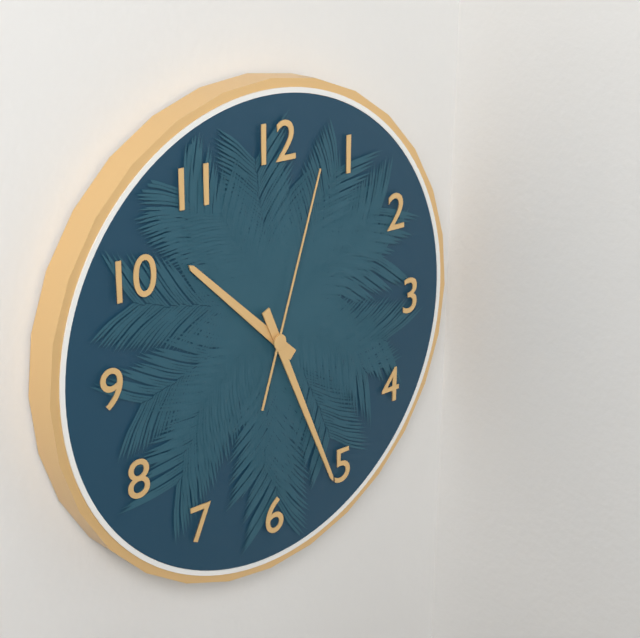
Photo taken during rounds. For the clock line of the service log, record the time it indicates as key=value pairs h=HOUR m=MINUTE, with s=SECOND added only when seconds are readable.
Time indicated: h=10 m=26 s=3
